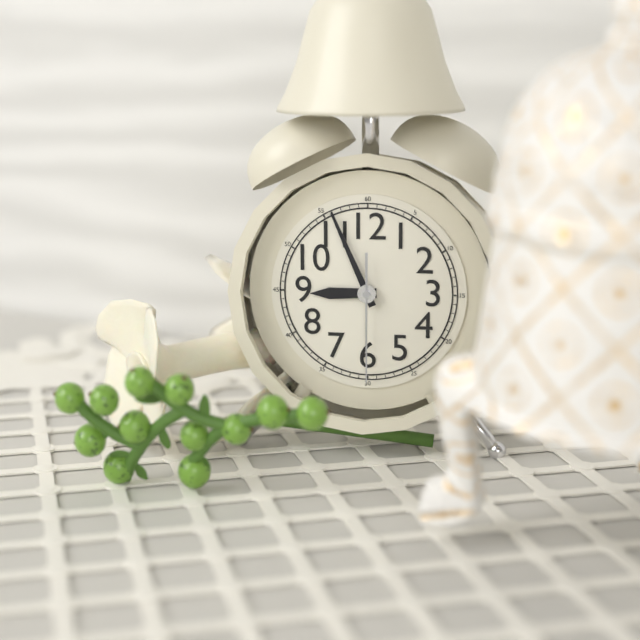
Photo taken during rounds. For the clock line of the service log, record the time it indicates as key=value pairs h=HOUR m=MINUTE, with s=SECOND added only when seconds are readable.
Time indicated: h=8 m=56 s=30
